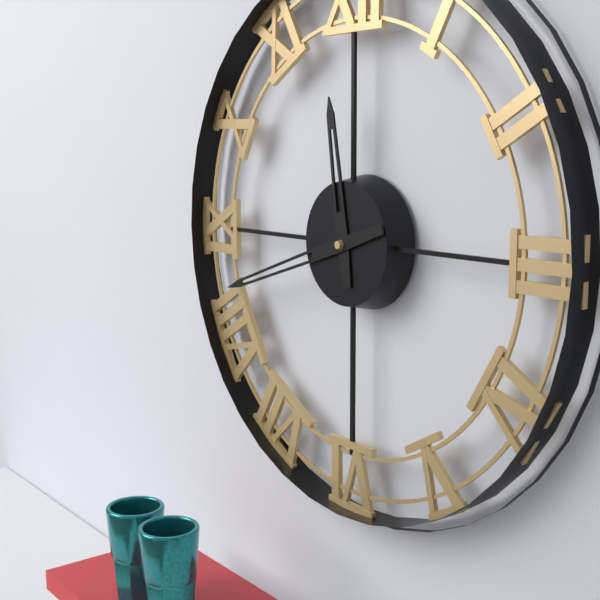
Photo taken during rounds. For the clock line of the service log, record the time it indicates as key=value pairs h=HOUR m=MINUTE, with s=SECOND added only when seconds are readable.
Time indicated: h=11 m=42
